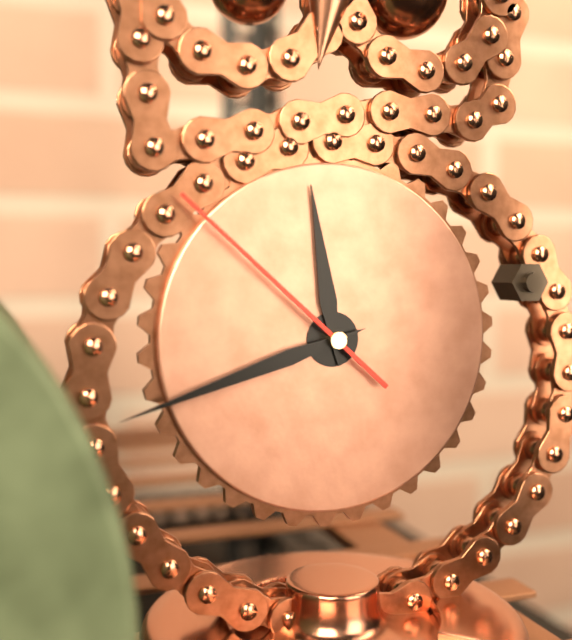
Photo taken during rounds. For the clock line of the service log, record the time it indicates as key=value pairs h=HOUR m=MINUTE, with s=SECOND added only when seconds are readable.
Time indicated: h=11 m=42 s=52
